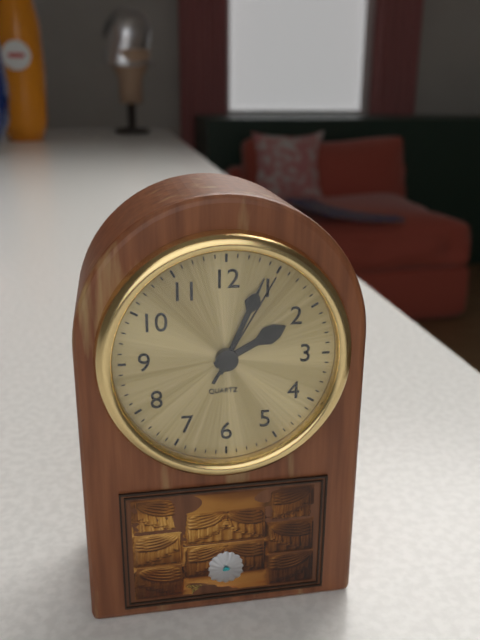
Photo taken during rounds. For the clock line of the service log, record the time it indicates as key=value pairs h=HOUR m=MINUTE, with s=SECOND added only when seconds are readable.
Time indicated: h=2 m=4 s=5
